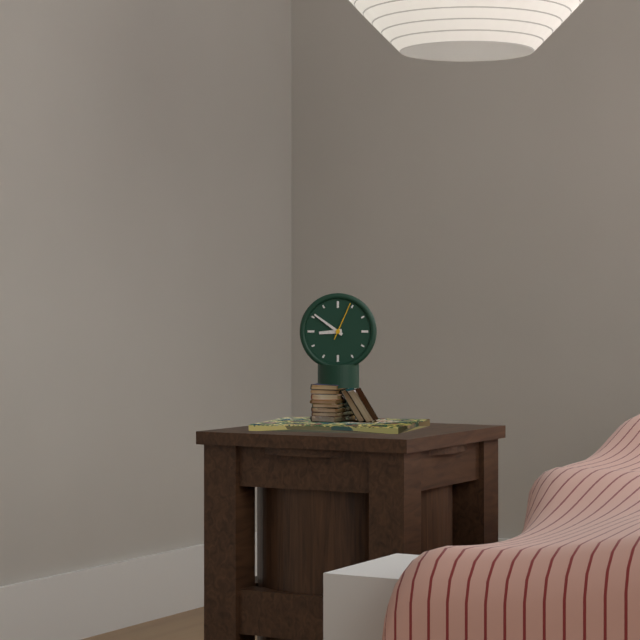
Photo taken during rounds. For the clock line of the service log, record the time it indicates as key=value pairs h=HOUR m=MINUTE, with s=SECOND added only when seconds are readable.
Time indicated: h=8 m=51
